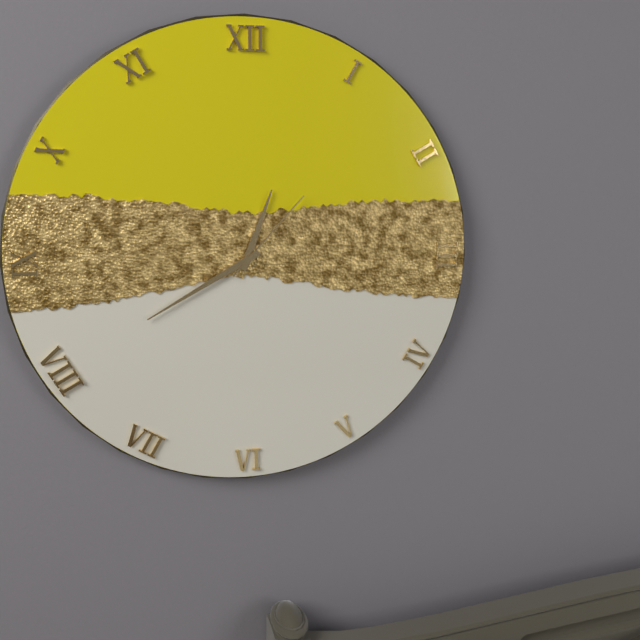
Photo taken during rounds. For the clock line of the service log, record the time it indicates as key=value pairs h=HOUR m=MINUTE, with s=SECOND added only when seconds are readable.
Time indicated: h=12 m=40 s=7
